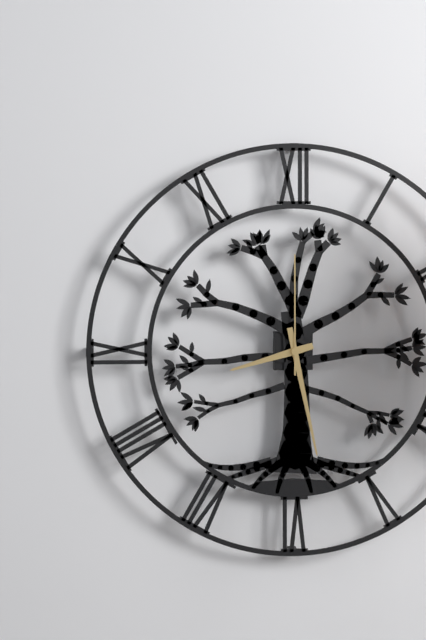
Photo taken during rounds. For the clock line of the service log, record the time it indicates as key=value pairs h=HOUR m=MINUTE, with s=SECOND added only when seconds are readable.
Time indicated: h=8 m=28 s=0
